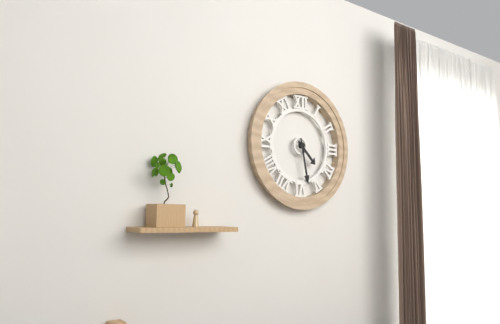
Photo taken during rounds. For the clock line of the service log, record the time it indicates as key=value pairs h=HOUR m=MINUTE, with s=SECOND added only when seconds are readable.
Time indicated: h=4 m=28
